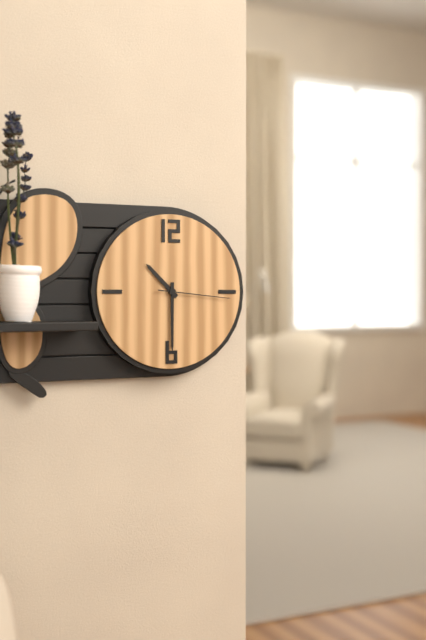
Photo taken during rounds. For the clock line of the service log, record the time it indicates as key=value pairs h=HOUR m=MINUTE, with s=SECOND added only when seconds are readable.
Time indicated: h=10 m=30 s=16
